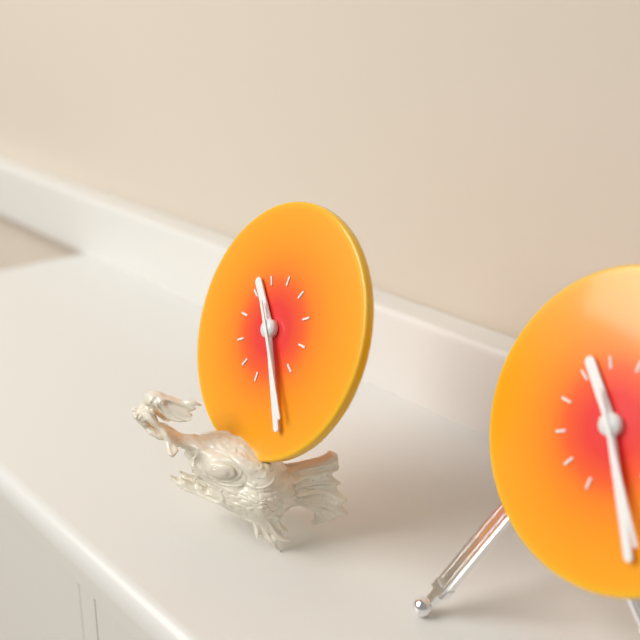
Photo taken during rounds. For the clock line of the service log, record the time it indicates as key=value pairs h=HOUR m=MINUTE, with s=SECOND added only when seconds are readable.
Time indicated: h=10 m=24 s=23
